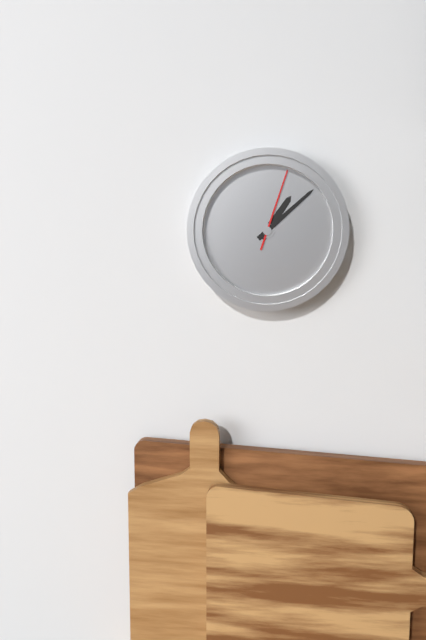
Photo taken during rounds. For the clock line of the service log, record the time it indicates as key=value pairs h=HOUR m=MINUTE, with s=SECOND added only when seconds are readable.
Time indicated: h=1 m=8 s=3
